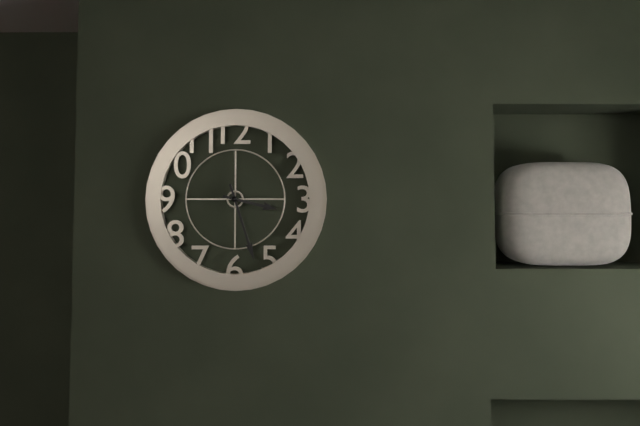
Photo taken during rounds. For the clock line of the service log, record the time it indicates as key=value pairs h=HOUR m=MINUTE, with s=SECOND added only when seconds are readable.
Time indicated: h=3 m=27
